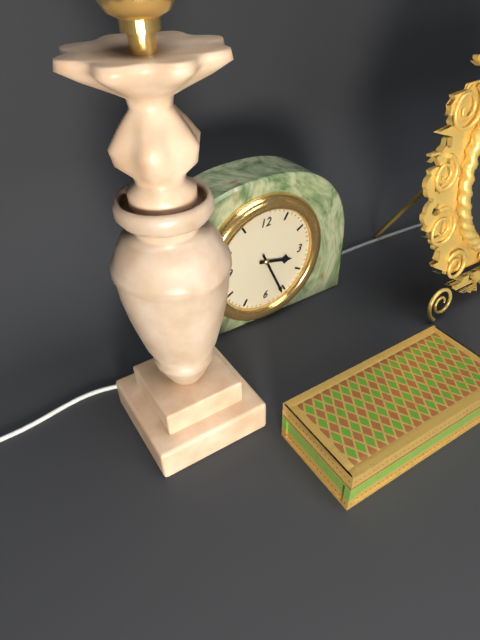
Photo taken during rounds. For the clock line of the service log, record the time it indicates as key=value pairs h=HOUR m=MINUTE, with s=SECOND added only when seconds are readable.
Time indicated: h=3 m=26
